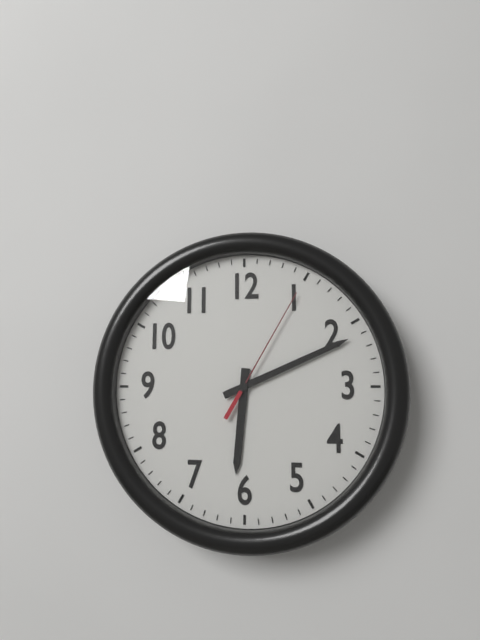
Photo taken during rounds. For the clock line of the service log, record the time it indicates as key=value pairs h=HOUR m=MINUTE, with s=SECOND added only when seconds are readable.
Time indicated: h=6 m=11 s=5
